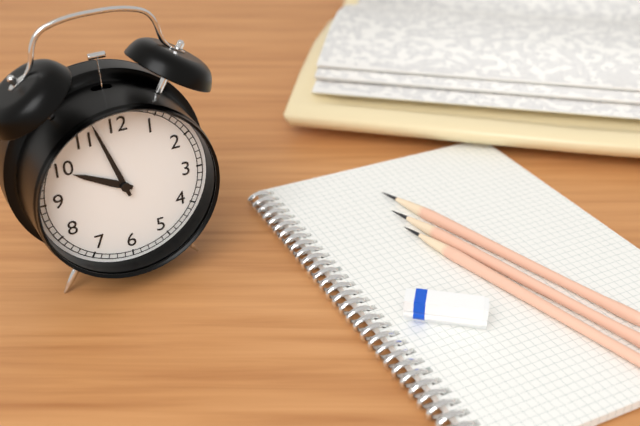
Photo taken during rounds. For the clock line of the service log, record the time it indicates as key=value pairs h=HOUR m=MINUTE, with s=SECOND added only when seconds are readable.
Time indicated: h=9 m=57
